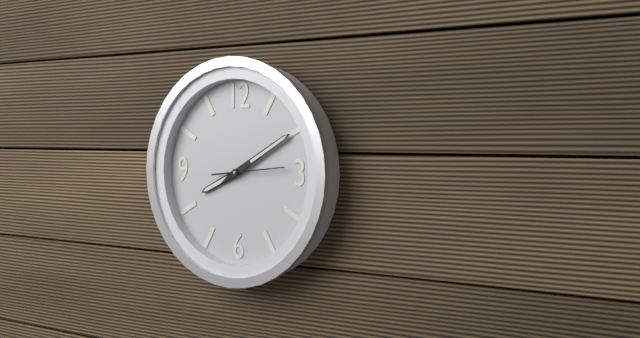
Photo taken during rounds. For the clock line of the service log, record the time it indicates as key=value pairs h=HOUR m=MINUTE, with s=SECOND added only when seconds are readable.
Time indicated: h=8 m=10 s=14
